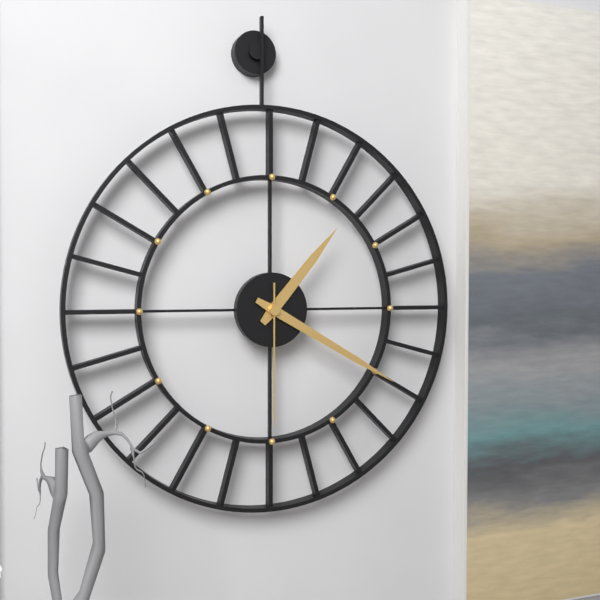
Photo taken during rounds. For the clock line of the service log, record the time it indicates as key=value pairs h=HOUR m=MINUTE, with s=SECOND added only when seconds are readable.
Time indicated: h=1 m=20 s=30
